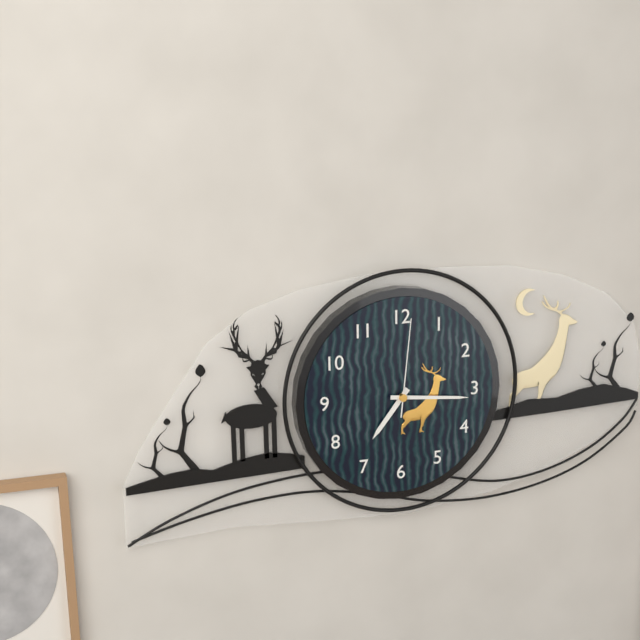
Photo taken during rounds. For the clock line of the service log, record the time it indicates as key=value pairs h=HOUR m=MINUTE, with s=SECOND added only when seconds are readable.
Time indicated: h=7 m=16 s=1
